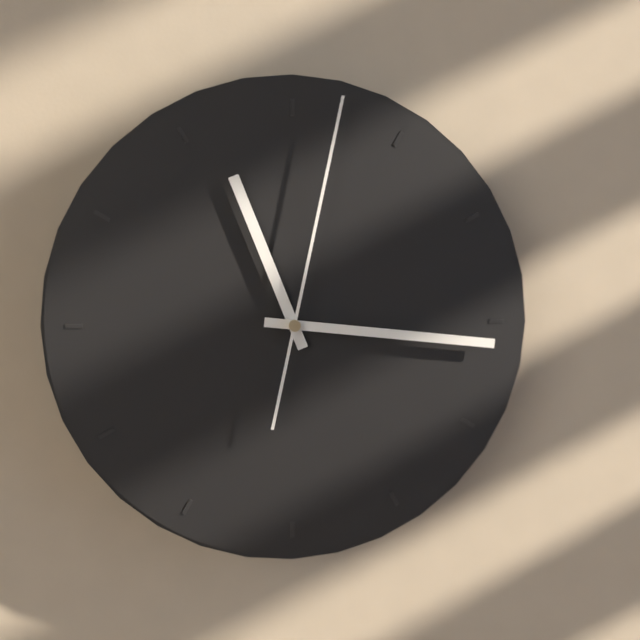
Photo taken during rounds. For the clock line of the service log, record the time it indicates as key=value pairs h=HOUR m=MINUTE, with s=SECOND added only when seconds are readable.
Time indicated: h=11 m=16 s=2
